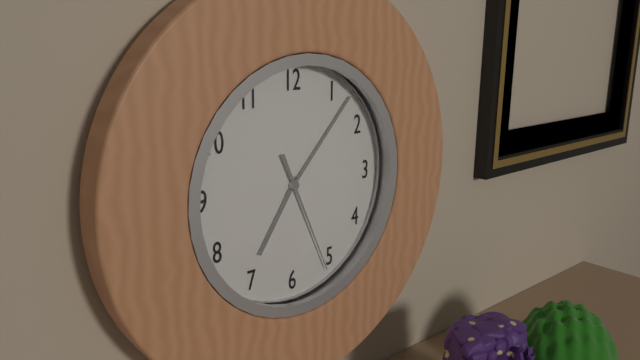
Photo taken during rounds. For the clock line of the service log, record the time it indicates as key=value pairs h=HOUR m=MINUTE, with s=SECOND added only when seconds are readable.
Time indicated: h=7 m=7 s=26
